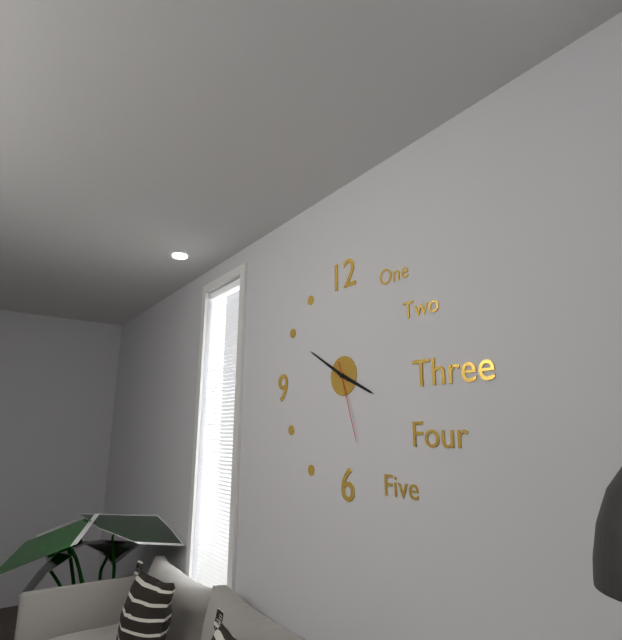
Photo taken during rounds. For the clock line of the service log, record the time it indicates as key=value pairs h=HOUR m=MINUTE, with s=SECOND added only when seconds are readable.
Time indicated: h=3 m=50 s=27
